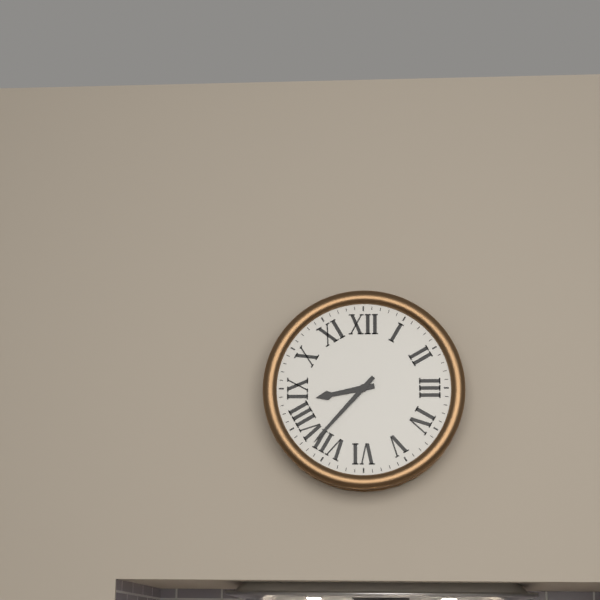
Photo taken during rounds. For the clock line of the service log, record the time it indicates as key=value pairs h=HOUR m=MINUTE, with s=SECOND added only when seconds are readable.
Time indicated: h=8 m=37
